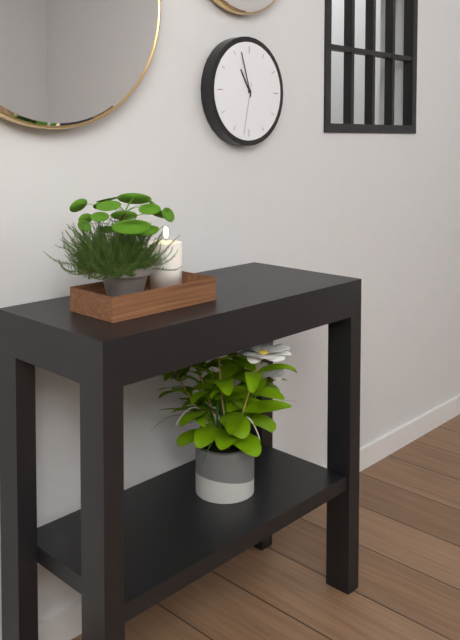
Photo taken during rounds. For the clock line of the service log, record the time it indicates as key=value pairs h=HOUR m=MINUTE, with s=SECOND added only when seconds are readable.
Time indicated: h=10 m=57 s=32
